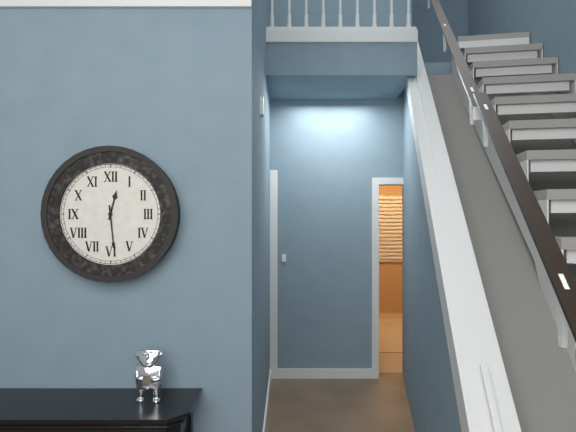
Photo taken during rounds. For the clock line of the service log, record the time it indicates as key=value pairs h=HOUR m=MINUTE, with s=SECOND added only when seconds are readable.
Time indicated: h=12 m=29
